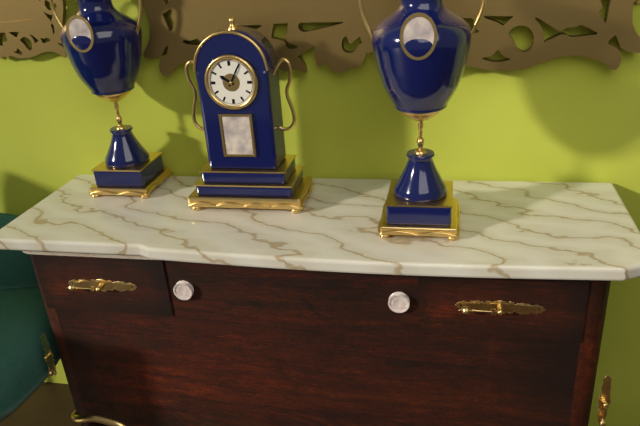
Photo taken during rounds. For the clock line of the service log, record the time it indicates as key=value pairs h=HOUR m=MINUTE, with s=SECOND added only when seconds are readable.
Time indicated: h=10 m=5
